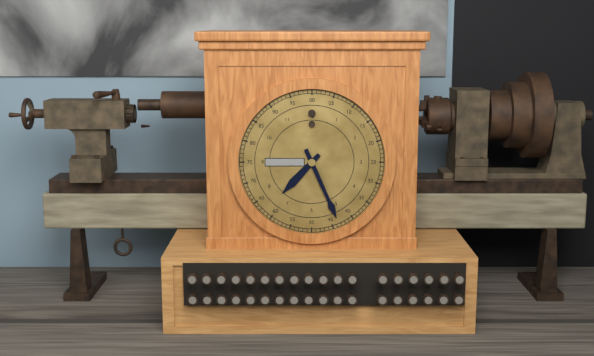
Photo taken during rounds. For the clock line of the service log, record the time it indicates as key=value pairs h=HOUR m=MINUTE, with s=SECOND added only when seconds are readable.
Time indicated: h=7 m=26
